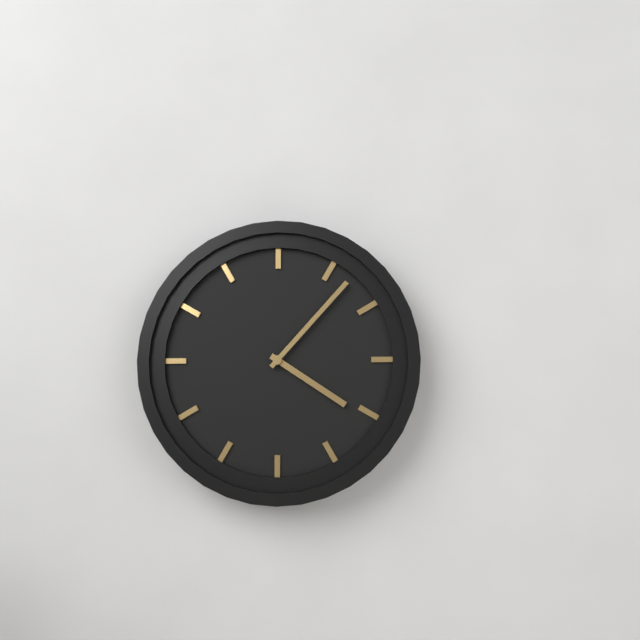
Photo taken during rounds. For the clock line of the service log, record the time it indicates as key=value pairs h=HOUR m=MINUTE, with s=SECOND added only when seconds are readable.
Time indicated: h=4 m=7
